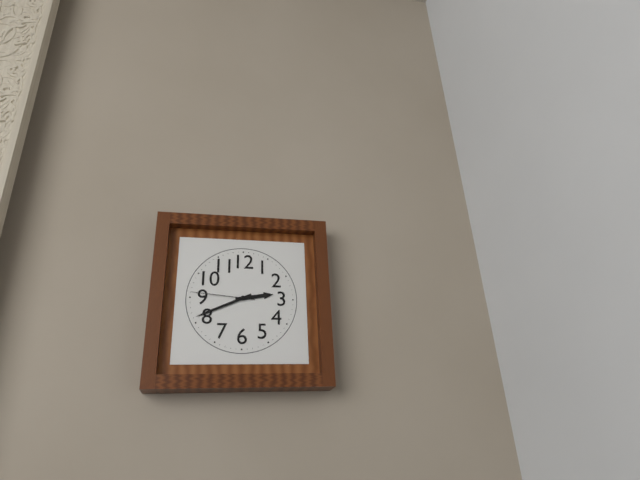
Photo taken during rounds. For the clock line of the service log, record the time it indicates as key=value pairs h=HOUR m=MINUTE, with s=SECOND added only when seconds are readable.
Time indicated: h=2 m=41 s=46
